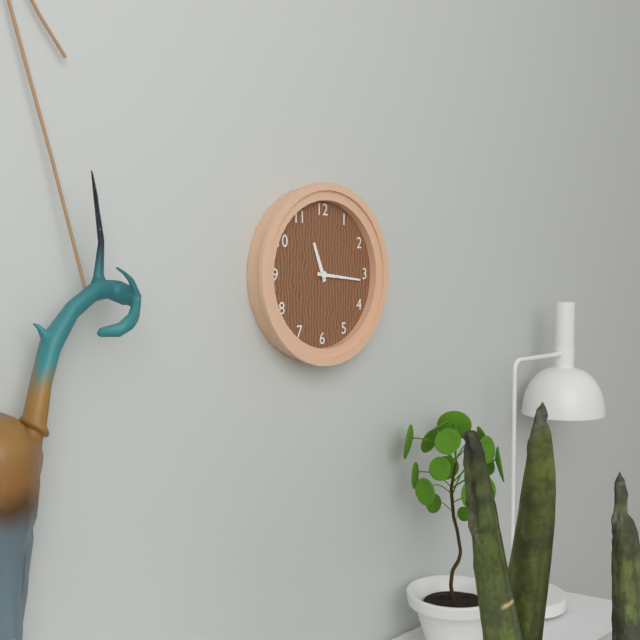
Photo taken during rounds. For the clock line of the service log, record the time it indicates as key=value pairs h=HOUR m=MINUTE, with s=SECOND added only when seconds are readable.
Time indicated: h=11 m=16
